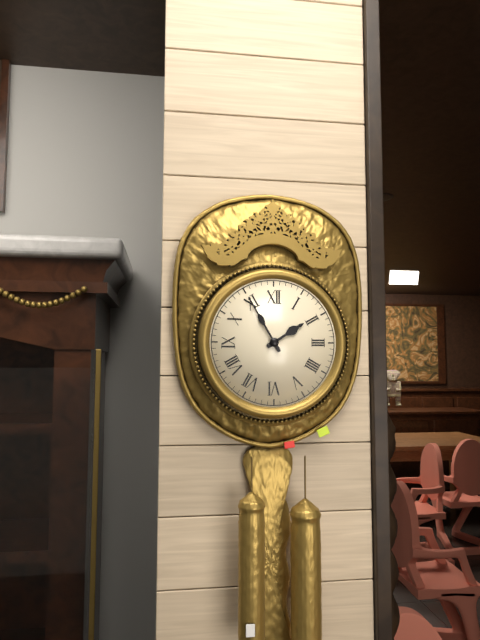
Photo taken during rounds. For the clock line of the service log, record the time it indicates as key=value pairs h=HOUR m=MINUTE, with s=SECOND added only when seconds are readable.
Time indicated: h=1 m=55
